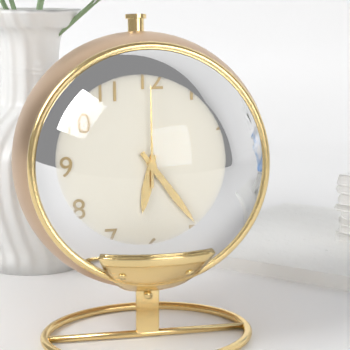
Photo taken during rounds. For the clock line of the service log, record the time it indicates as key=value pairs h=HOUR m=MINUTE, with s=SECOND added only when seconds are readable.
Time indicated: h=6 m=24 s=0
